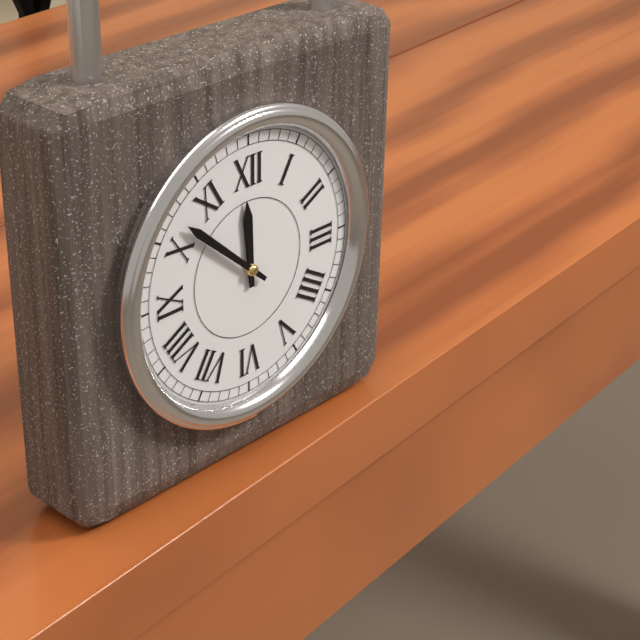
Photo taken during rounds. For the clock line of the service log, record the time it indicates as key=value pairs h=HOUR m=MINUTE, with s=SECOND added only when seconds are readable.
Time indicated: h=11 m=52
